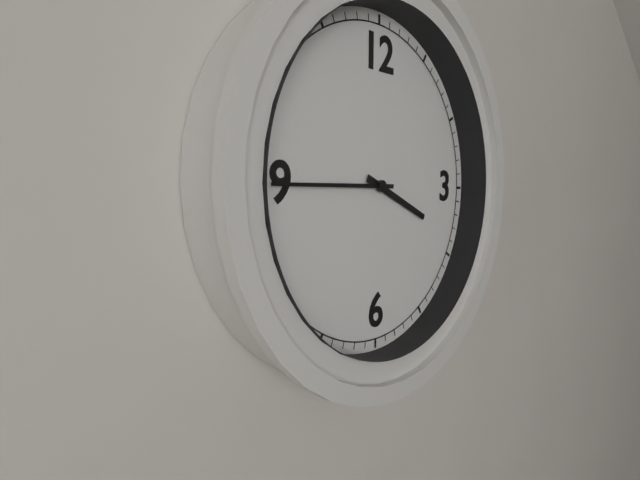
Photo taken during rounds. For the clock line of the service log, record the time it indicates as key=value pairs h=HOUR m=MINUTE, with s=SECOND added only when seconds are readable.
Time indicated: h=3 m=45
